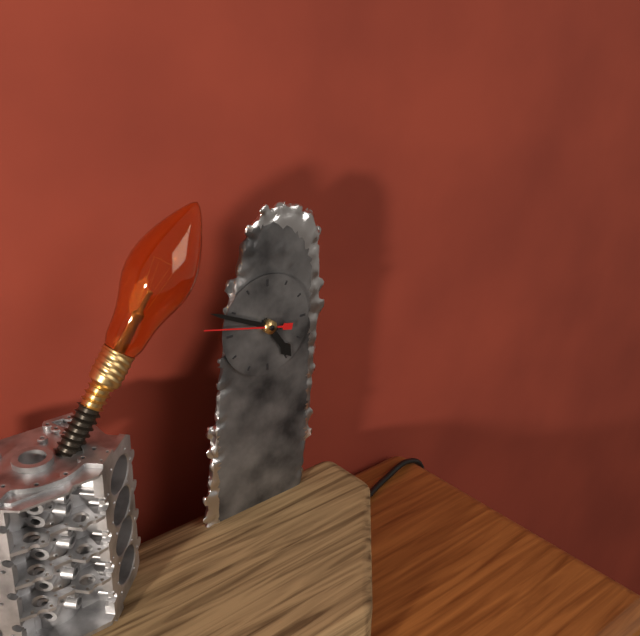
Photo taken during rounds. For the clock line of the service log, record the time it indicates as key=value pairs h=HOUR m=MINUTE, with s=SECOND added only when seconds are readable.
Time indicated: h=4 m=49 s=47
